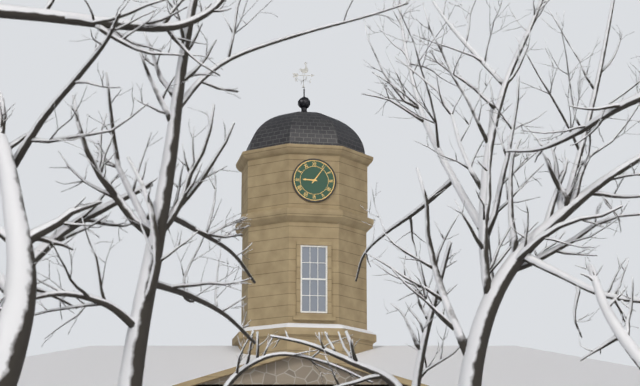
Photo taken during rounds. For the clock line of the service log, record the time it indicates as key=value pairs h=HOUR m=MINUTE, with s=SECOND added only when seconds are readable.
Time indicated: h=9 m=6
